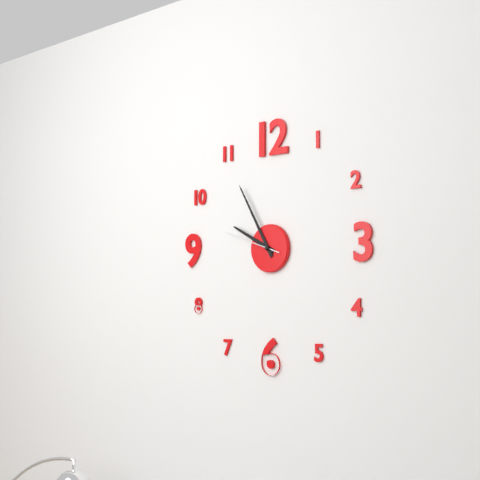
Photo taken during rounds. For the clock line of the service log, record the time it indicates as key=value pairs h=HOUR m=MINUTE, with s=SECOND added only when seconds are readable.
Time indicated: h=9 m=55 s=48
